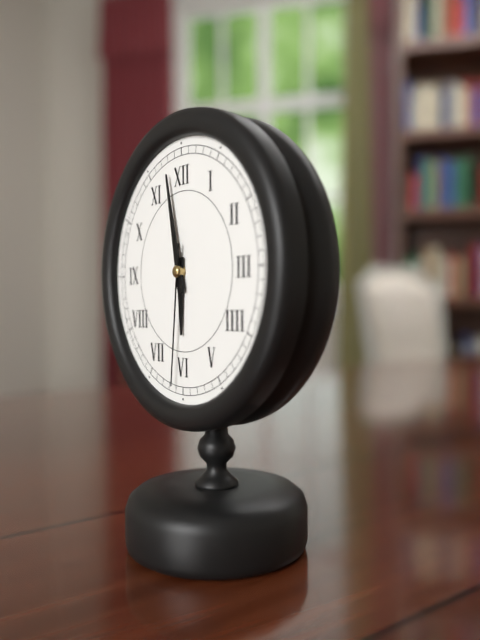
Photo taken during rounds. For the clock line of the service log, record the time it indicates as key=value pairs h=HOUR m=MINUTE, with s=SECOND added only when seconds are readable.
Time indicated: h=5 m=58 s=31
